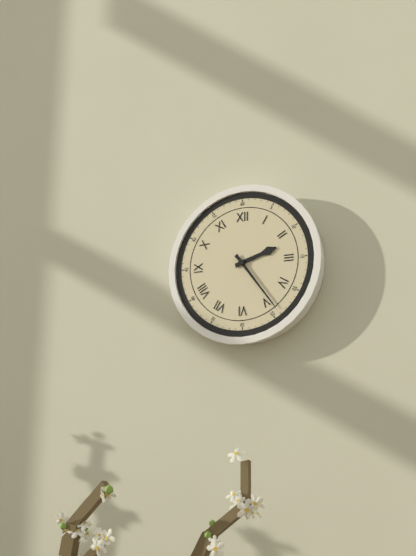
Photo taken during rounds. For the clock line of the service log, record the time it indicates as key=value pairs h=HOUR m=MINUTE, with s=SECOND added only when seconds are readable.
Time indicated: h=2 m=24
